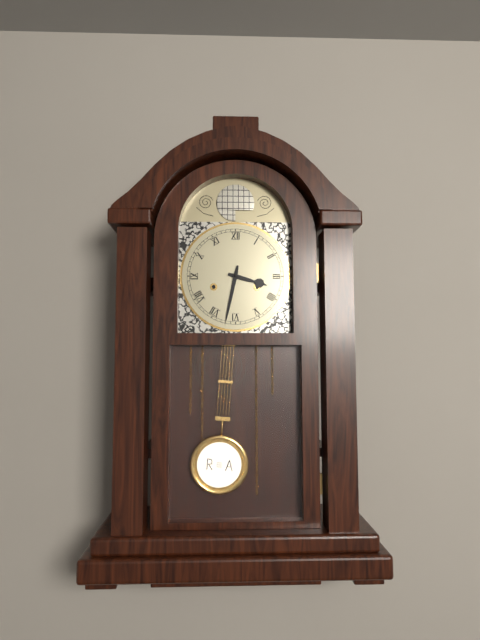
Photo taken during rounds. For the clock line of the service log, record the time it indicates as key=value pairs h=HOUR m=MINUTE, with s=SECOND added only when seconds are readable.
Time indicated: h=3 m=32
